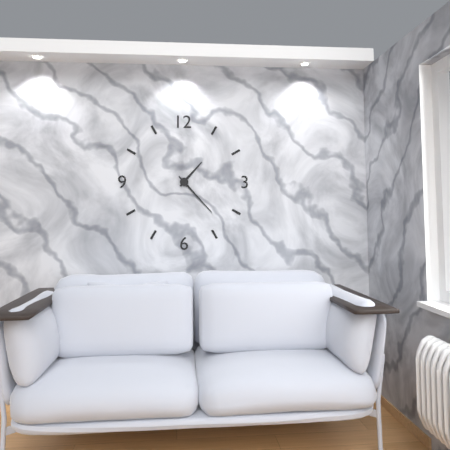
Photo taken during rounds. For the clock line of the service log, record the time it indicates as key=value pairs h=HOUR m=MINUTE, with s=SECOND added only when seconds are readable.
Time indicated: h=1 m=23
